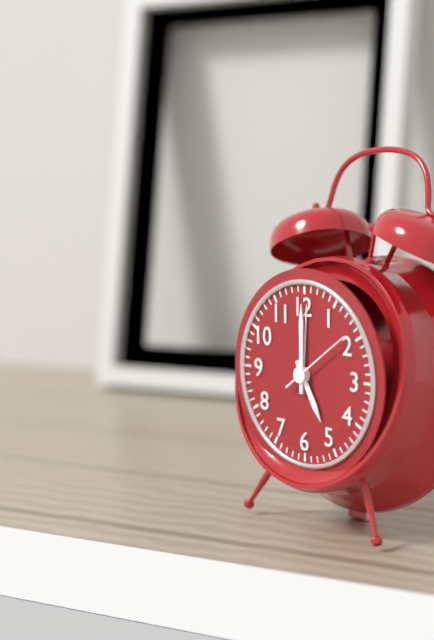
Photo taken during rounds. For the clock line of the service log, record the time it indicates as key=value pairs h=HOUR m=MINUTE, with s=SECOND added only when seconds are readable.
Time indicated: h=5 m=0 s=9
